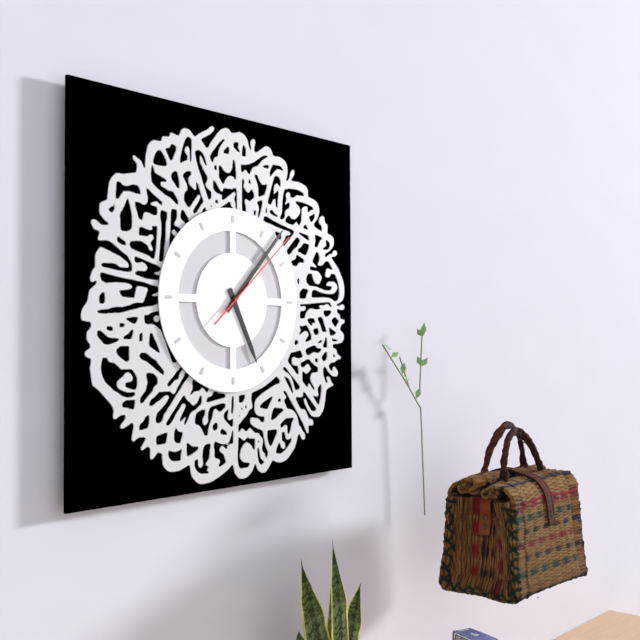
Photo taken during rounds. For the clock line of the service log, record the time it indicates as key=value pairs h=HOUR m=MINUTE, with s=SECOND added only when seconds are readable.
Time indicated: h=5 m=7 s=8
